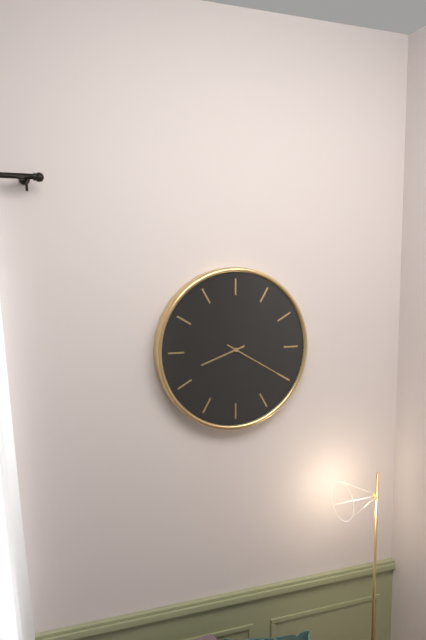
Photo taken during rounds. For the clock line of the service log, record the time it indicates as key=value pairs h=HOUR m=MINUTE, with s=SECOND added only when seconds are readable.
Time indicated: h=8 m=20
